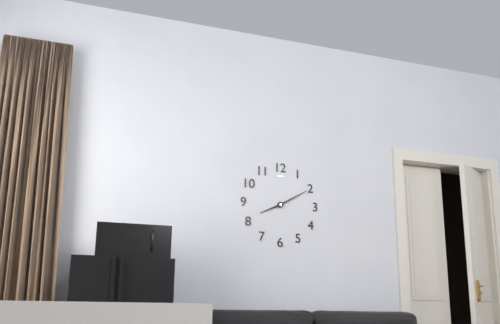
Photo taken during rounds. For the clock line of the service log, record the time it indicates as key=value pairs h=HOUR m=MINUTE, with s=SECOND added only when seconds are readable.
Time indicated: h=8 m=10
